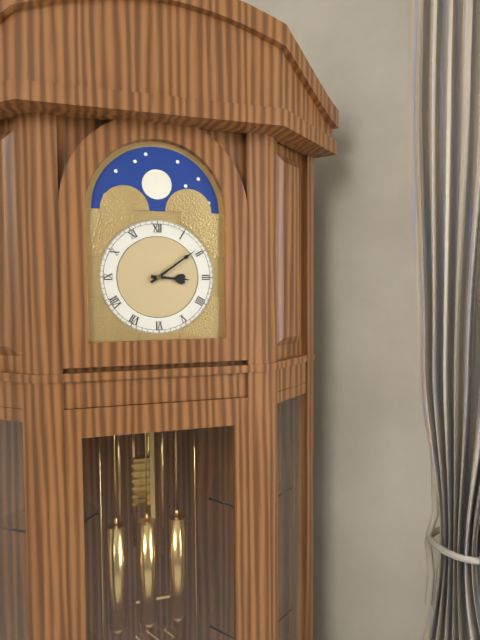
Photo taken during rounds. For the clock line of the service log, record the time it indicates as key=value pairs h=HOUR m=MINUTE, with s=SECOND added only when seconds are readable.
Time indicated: h=3 m=9
